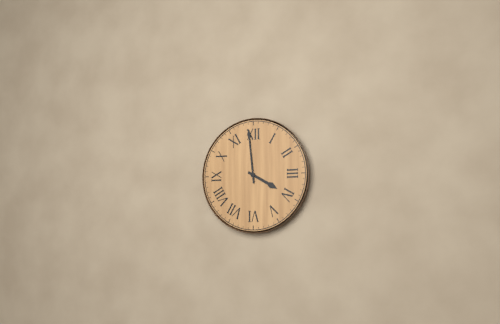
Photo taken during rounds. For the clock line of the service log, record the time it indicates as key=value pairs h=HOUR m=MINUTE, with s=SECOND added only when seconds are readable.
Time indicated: h=3 m=59
